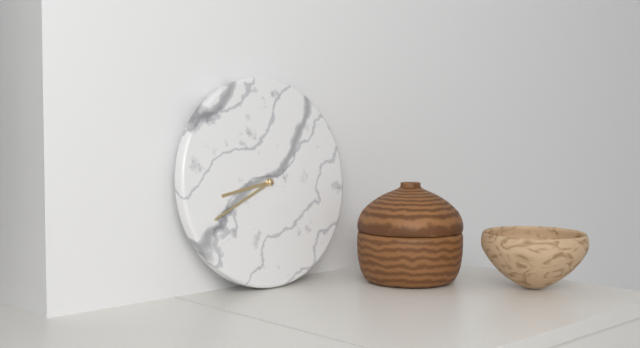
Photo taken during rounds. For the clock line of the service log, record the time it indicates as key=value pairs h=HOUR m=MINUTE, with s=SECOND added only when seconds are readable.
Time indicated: h=8 m=41
